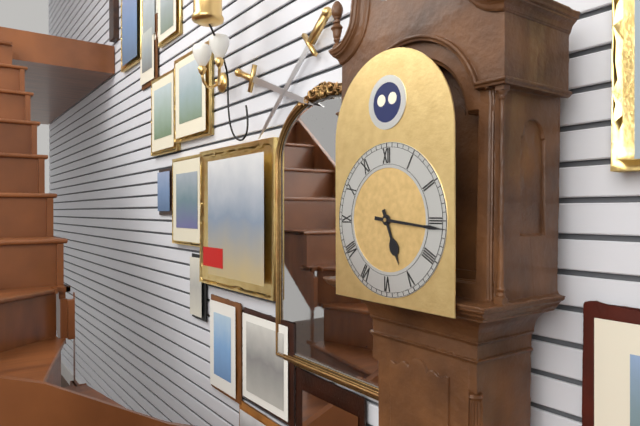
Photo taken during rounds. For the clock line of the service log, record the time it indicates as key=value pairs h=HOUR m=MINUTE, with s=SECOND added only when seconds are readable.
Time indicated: h=5 m=16
